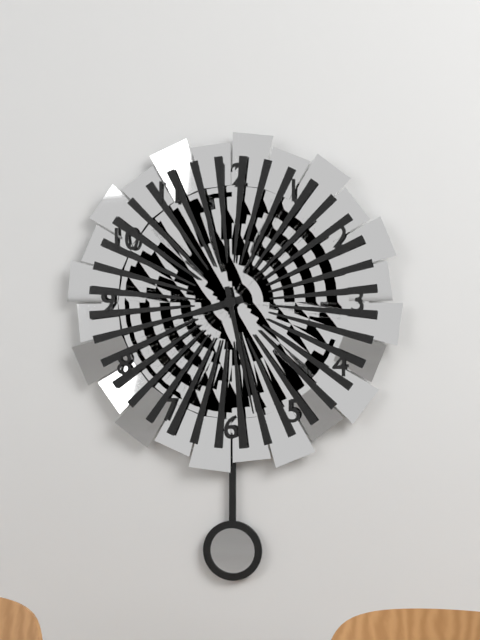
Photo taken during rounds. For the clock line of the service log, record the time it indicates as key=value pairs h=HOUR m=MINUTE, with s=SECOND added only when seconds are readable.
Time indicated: h=8 m=28
